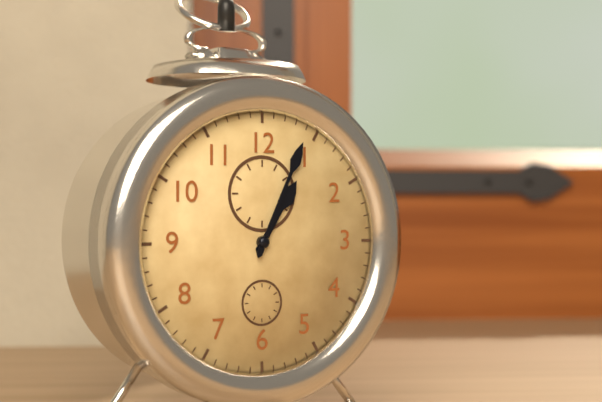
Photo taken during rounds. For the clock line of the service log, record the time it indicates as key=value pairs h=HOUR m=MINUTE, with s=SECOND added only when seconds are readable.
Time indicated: h=1 m=4
